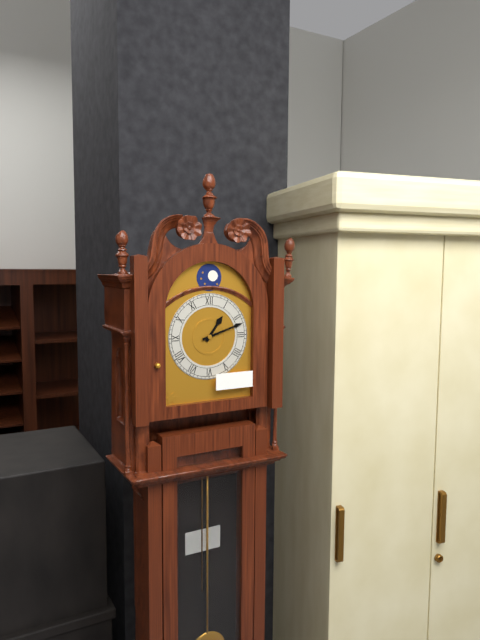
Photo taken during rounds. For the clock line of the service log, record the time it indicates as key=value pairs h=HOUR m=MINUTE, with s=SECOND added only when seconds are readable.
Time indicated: h=1 m=12
